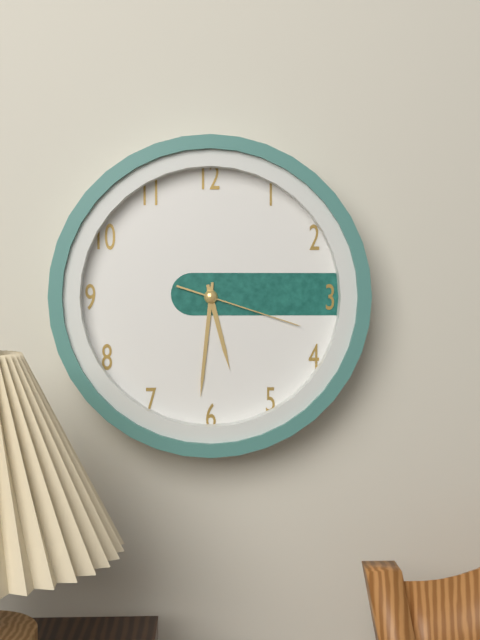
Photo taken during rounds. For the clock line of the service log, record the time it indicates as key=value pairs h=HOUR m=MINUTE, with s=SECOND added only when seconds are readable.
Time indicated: h=5 m=31 s=18
